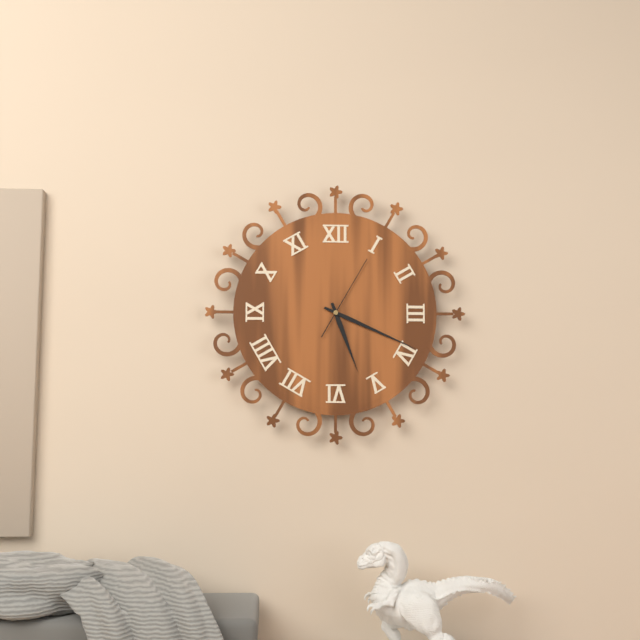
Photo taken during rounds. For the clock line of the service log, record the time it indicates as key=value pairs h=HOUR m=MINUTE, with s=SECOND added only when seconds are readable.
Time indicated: h=5 m=19 s=5
